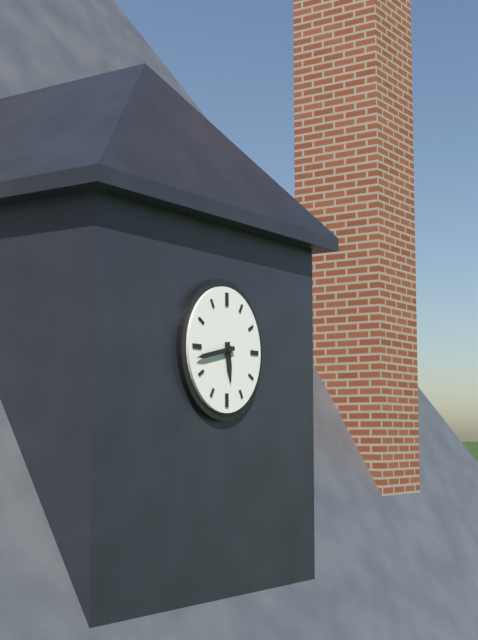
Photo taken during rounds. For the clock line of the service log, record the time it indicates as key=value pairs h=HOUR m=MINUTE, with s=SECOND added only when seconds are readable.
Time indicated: h=5 m=43
